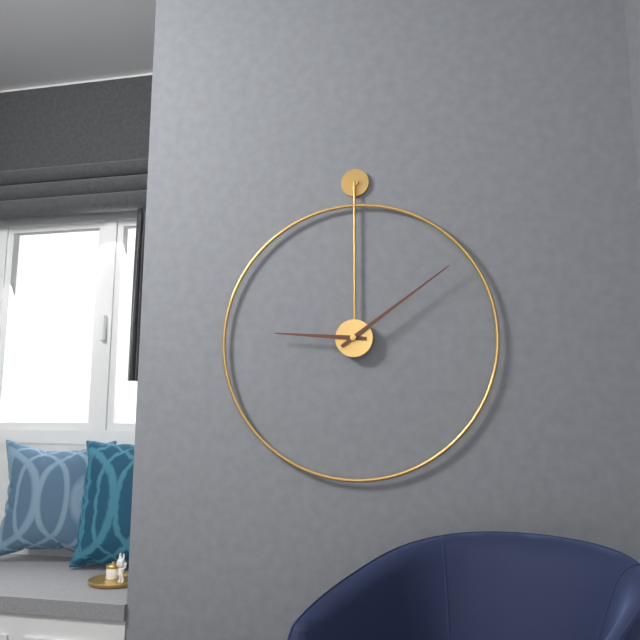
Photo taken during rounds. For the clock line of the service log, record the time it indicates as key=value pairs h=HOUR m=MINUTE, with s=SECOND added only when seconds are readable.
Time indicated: h=9 m=9
